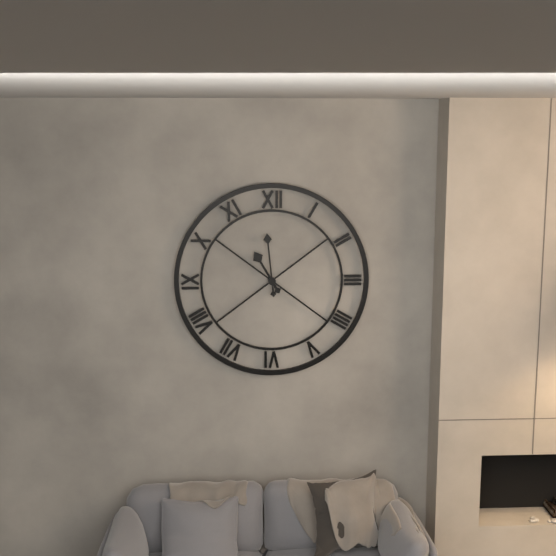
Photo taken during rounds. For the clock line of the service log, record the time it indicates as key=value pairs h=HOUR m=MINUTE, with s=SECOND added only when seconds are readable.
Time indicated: h=10 m=59
